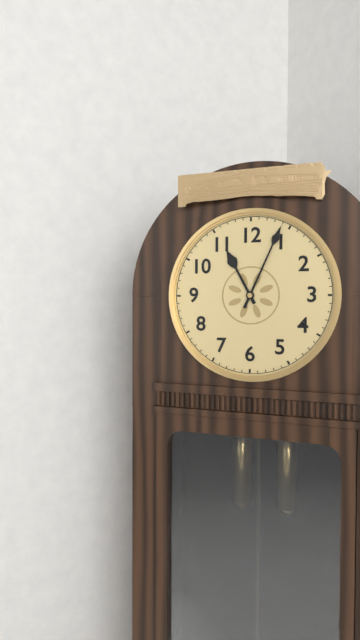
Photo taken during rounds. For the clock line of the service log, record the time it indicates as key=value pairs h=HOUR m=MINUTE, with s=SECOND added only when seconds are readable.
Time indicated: h=11 m=4
